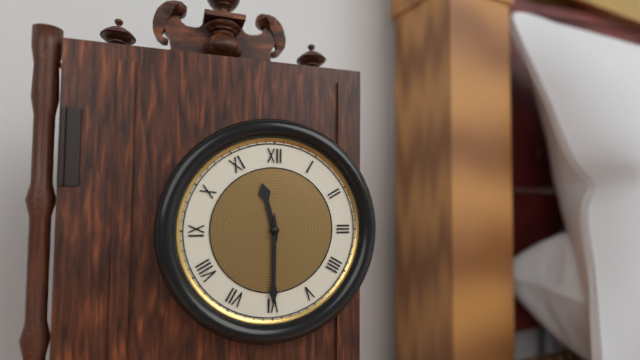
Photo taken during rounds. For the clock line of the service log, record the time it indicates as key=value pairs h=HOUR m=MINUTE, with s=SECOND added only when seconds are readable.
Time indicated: h=11 m=30
